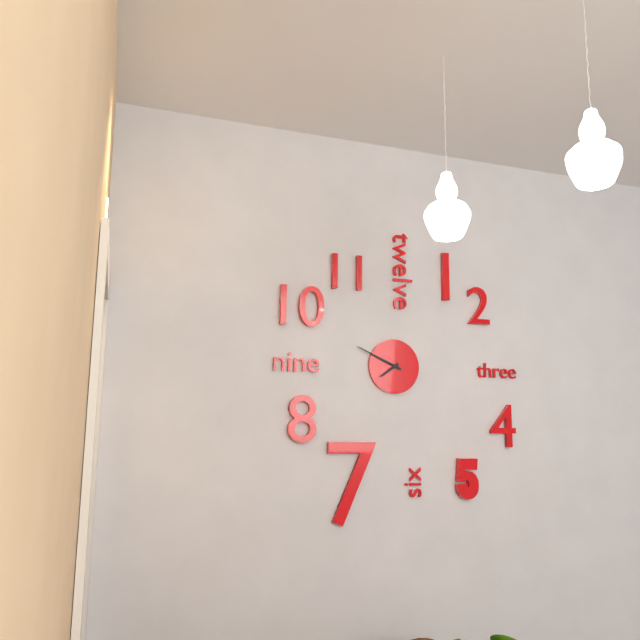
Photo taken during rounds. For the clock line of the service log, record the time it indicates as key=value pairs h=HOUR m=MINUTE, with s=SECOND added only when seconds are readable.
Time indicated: h=7 m=49
